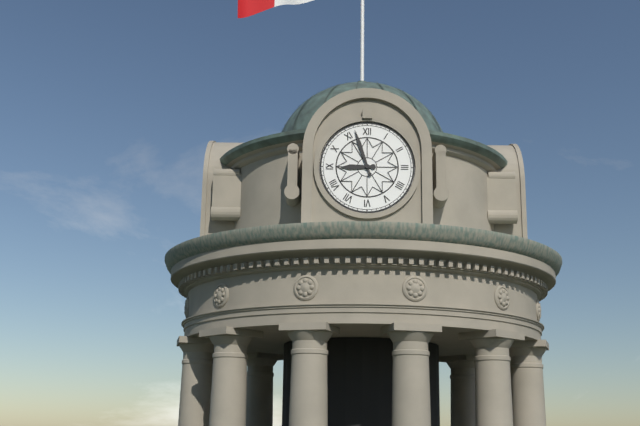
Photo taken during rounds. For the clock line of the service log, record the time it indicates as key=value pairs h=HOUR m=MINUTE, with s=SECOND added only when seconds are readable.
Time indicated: h=8 m=57
